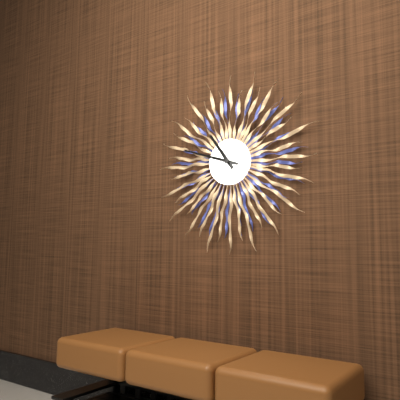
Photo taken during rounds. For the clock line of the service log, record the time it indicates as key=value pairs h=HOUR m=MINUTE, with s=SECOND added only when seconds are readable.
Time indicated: h=10 m=48
